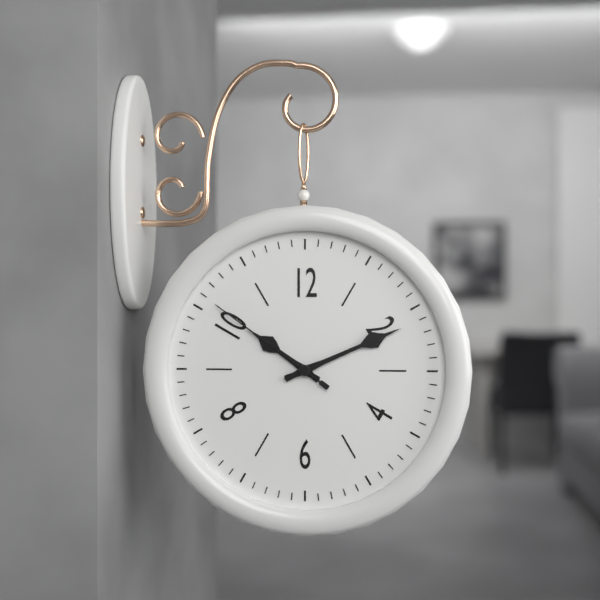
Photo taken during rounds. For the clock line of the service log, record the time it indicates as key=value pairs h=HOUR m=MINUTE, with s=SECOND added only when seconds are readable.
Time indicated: h=10 m=11 s=51
